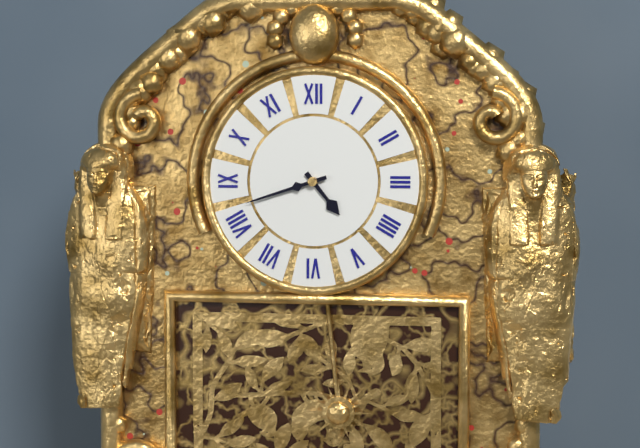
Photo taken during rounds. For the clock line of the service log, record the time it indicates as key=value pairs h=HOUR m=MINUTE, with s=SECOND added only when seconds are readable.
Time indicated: h=4 m=42
